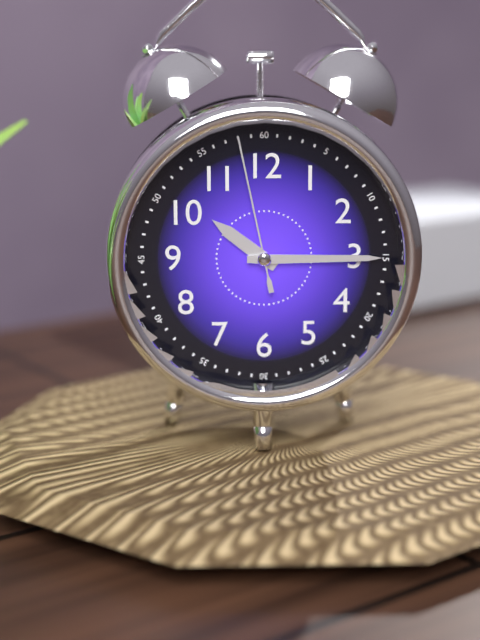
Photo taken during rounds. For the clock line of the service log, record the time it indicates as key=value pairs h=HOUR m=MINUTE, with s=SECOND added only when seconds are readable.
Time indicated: h=10 m=15 s=58
